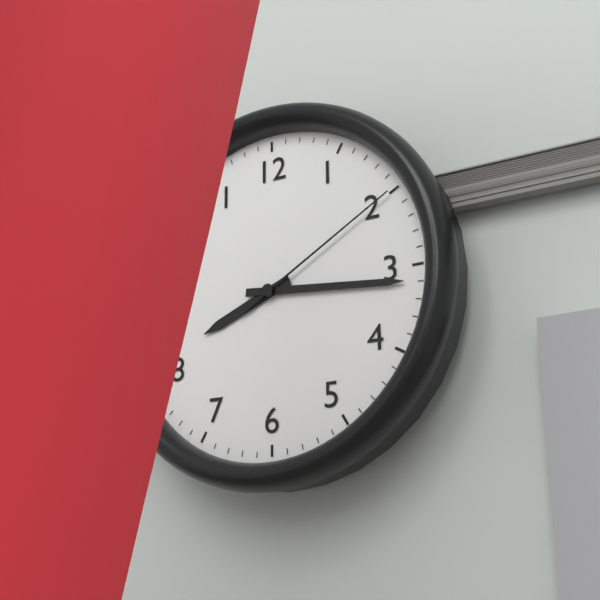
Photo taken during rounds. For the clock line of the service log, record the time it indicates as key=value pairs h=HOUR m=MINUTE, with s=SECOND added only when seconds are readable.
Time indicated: h=8 m=16 s=10
